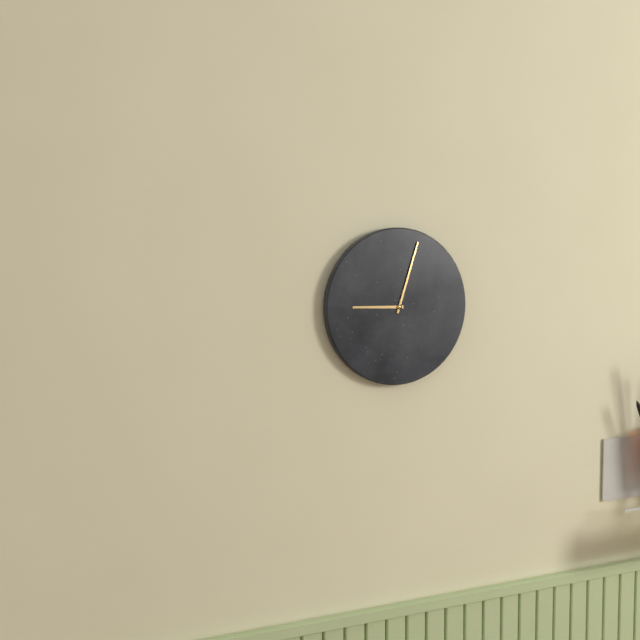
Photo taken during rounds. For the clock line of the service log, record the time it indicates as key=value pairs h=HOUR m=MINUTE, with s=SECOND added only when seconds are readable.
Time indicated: h=9 m=3
